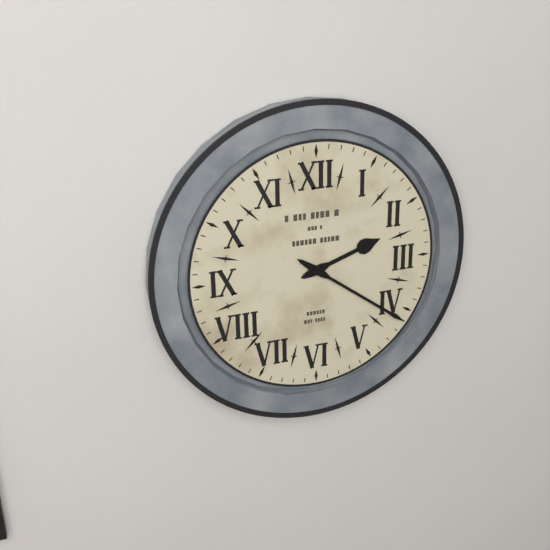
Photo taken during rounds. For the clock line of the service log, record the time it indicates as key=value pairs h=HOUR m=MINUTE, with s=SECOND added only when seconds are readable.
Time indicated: h=2 m=21
